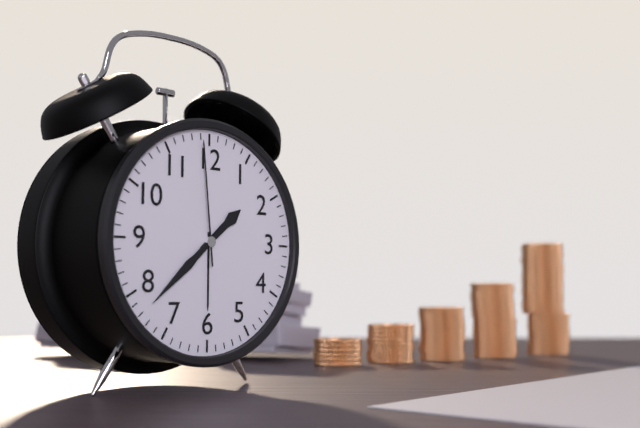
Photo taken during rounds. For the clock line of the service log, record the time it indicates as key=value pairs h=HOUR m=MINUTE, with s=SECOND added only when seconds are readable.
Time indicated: h=1 m=38 s=59
